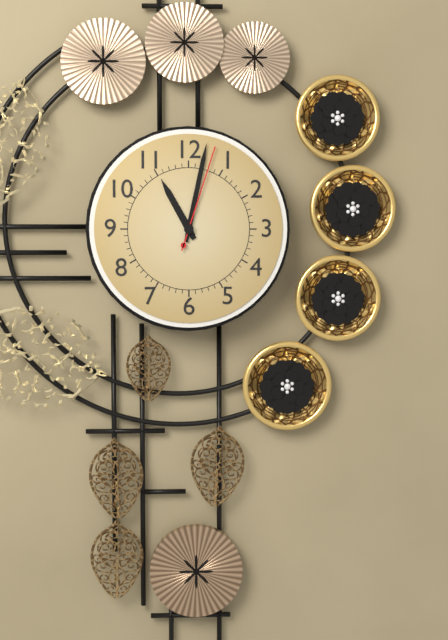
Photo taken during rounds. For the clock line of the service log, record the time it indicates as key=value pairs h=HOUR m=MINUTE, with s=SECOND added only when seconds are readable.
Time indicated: h=11 m=2 s=3
